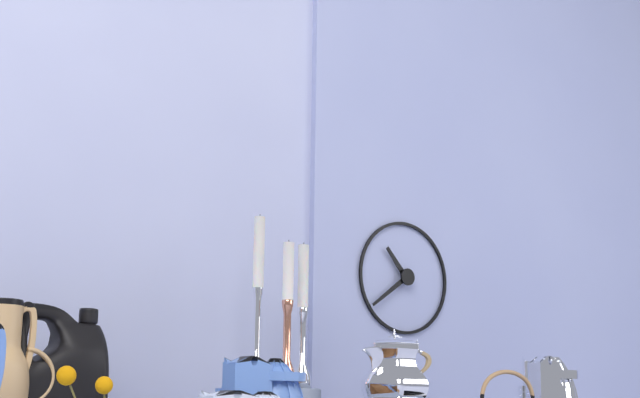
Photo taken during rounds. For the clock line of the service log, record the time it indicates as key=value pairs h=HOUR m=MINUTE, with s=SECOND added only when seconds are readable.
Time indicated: h=10 m=39
